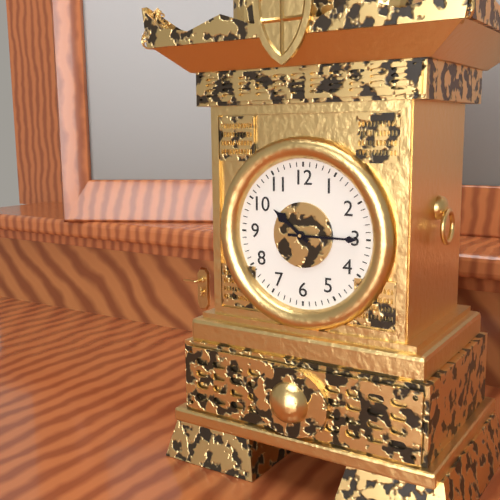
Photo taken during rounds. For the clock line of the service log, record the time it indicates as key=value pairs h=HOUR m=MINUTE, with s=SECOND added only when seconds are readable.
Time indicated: h=10 m=15
